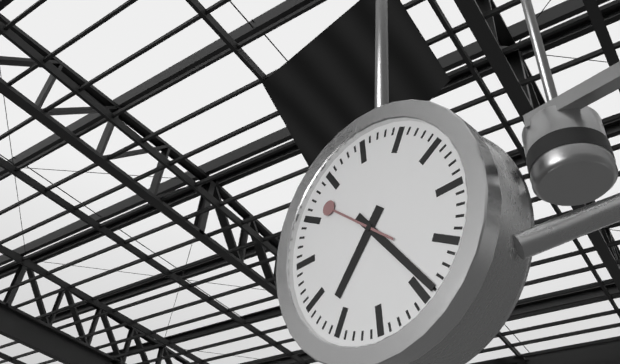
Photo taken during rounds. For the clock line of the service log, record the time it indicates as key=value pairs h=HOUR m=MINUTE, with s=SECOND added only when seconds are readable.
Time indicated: h=7 m=24 s=52
